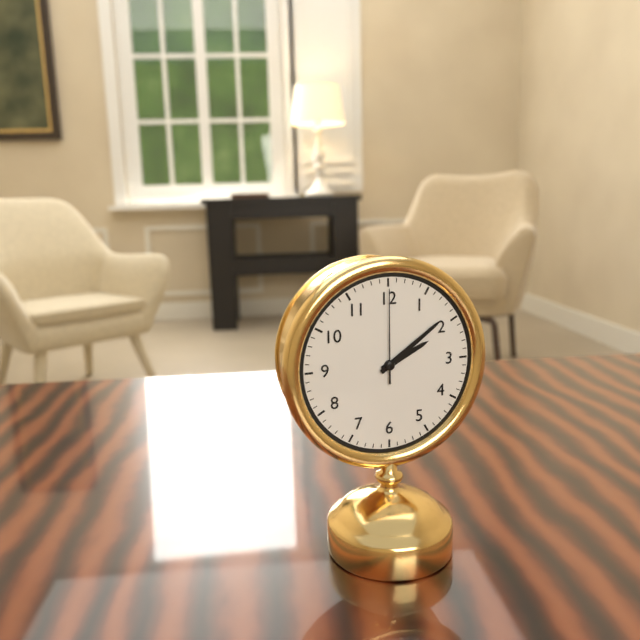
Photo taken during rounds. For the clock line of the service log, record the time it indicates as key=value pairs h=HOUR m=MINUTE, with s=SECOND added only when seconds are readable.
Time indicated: h=2 m=9 s=0
